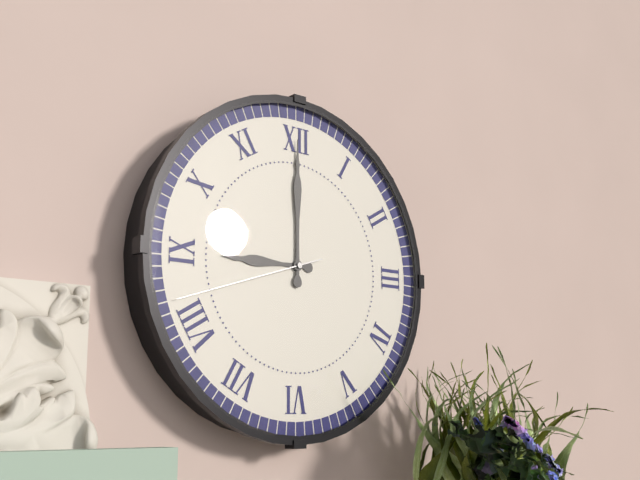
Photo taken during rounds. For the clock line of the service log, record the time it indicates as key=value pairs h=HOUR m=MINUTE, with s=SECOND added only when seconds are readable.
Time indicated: h=9 m=0 s=42
